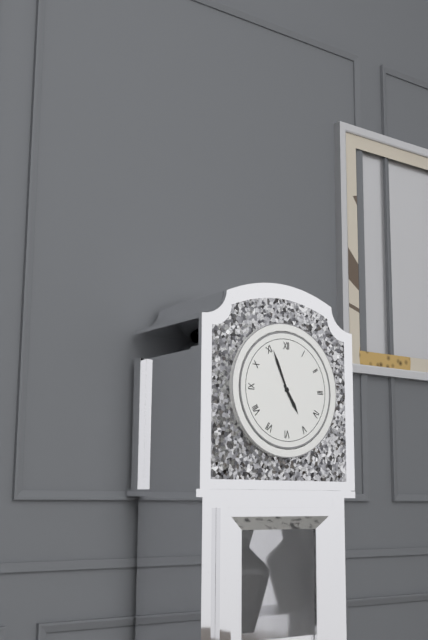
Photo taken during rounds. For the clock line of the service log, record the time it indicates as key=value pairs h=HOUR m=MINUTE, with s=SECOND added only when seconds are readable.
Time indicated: h=4 m=56
